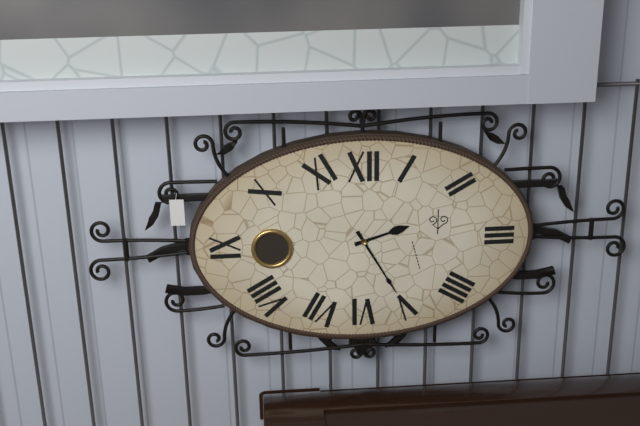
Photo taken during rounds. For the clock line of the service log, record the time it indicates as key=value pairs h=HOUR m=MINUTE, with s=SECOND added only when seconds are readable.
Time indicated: h=2 m=25
